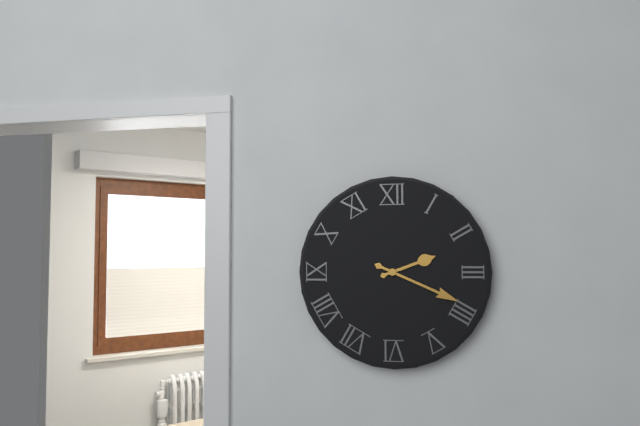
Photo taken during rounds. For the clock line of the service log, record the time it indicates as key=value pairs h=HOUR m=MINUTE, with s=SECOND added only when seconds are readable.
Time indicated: h=2 m=19
